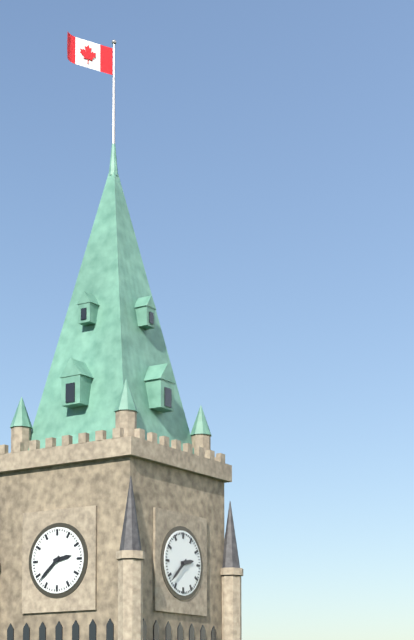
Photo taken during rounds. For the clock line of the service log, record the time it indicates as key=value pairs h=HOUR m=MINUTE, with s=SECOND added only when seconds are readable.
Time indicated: h=2 m=38
